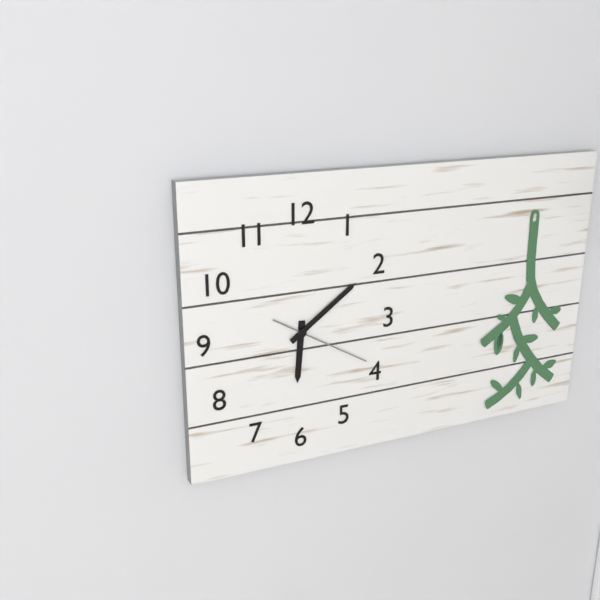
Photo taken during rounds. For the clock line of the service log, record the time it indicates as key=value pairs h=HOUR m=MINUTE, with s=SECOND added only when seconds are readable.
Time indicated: h=6 m=9 s=20
